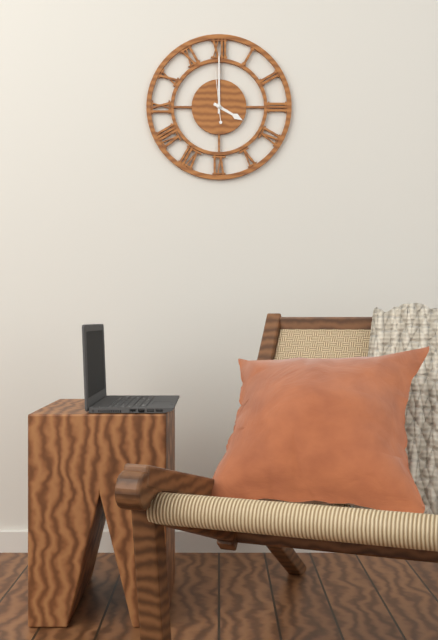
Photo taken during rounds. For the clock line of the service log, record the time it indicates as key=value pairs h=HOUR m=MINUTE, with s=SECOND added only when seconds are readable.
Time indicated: h=4 m=0
